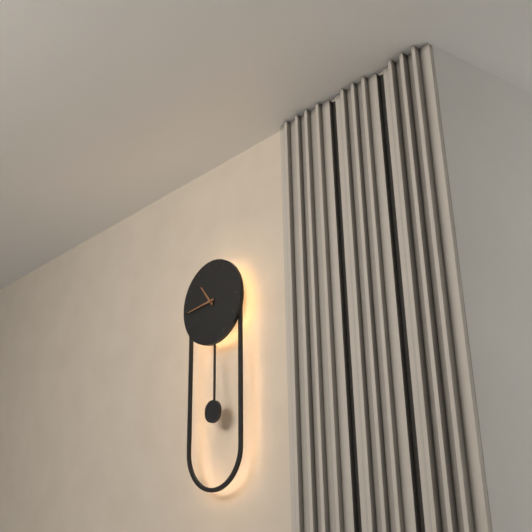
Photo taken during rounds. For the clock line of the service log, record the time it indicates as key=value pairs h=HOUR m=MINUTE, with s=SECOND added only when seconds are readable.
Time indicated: h=10 m=44
